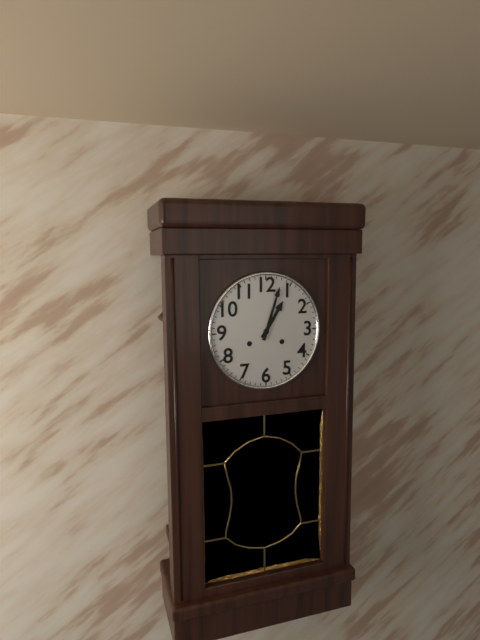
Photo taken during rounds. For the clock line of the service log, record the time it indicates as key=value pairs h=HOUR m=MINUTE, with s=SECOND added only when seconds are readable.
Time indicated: h=1 m=3
